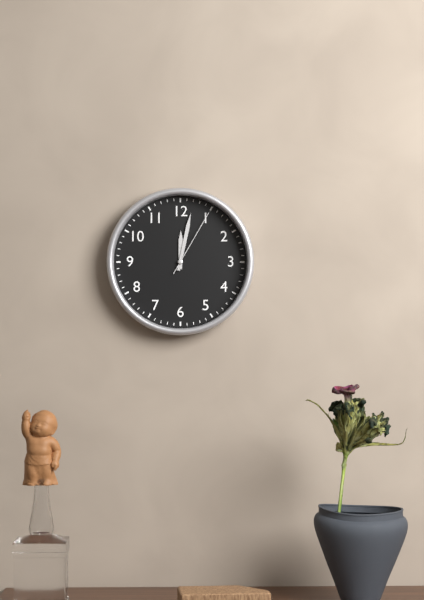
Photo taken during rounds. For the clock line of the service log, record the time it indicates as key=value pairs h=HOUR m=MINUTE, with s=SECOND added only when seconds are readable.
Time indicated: h=12 m=2 s=5
